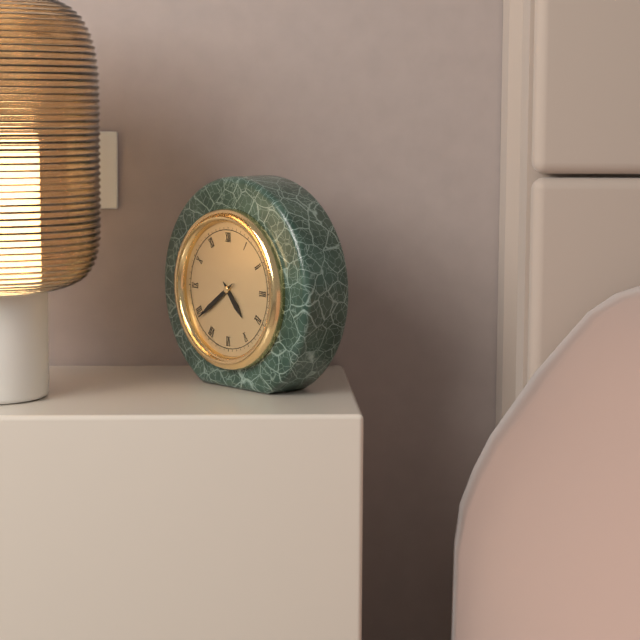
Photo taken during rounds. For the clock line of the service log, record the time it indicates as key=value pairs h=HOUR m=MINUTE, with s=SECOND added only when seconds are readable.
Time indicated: h=4 m=39
